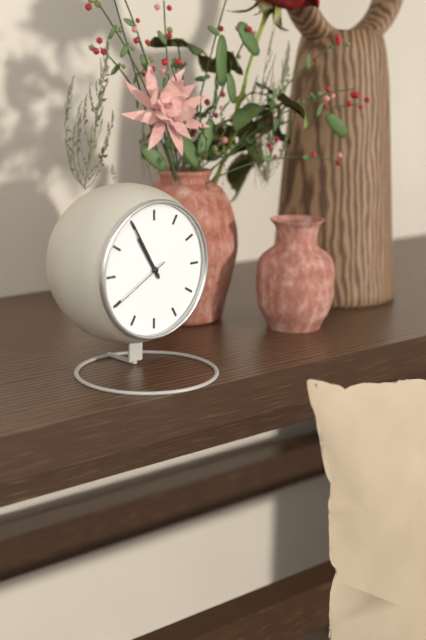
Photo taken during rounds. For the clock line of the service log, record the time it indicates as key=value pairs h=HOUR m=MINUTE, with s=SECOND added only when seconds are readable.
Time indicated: h=10 m=55 s=40
